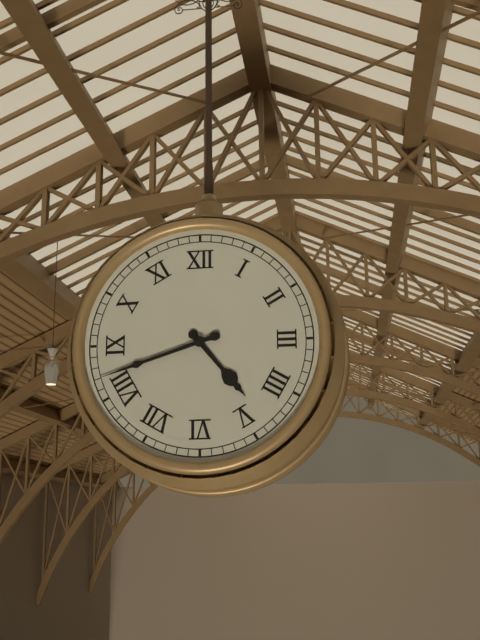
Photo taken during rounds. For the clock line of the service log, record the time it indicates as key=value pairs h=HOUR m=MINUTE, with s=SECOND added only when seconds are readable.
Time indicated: h=4 m=42
